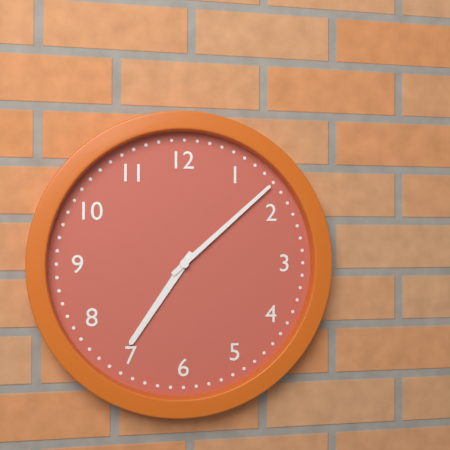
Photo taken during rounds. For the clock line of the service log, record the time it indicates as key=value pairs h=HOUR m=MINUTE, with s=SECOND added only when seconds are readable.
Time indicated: h=7 m=8
